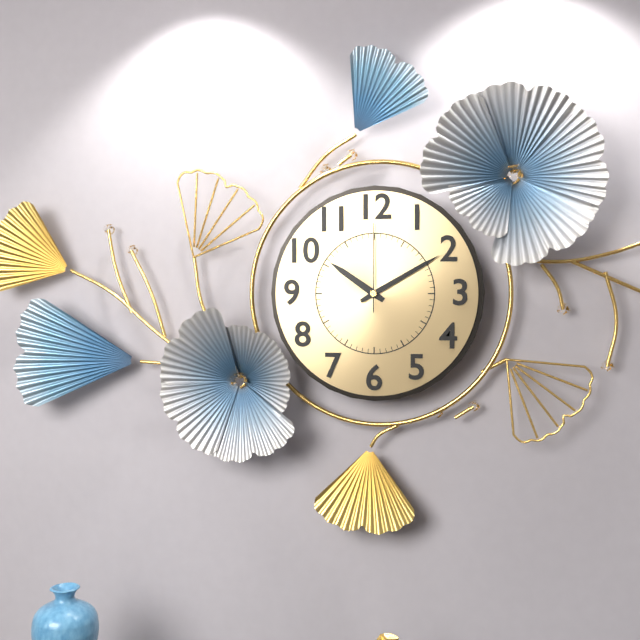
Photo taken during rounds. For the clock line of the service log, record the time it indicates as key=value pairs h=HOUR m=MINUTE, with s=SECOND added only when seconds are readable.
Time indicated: h=10 m=10 s=0
